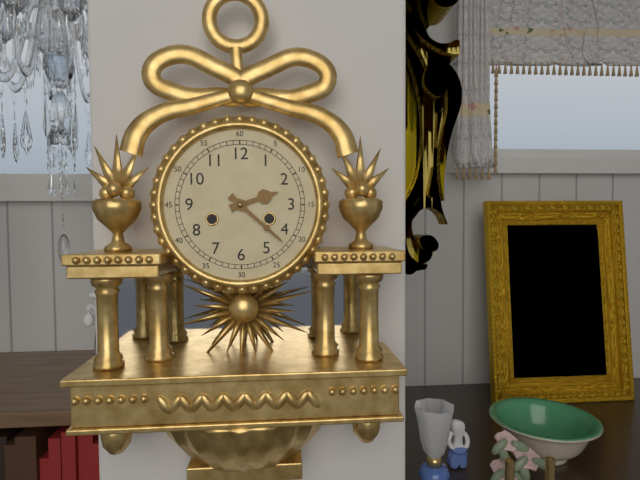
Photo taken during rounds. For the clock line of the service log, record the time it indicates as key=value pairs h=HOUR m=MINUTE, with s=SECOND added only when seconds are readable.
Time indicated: h=2 m=22
